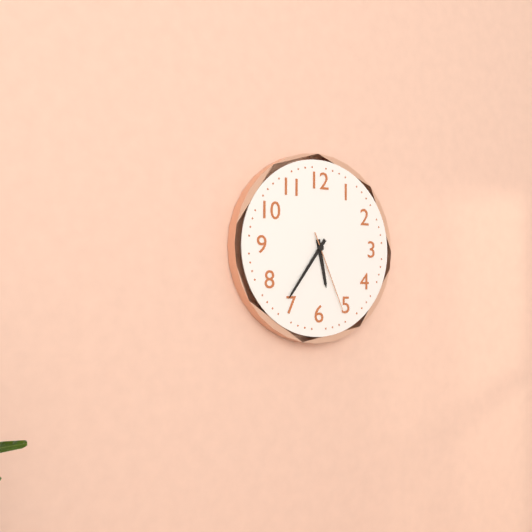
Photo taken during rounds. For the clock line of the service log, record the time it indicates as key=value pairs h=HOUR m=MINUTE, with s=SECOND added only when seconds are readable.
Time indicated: h=5 m=36 s=26
